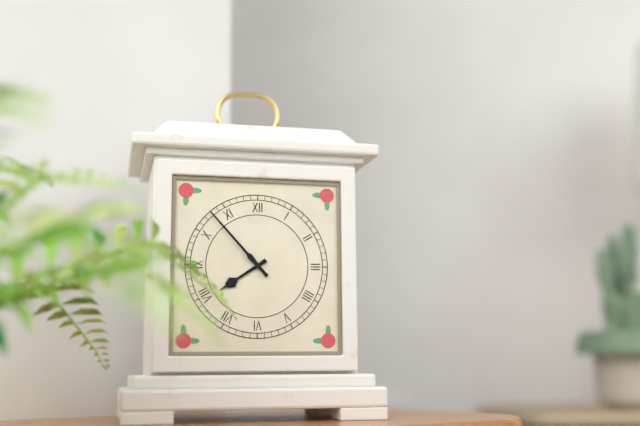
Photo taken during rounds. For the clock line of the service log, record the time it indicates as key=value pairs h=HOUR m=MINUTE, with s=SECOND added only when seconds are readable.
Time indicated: h=7 m=53
